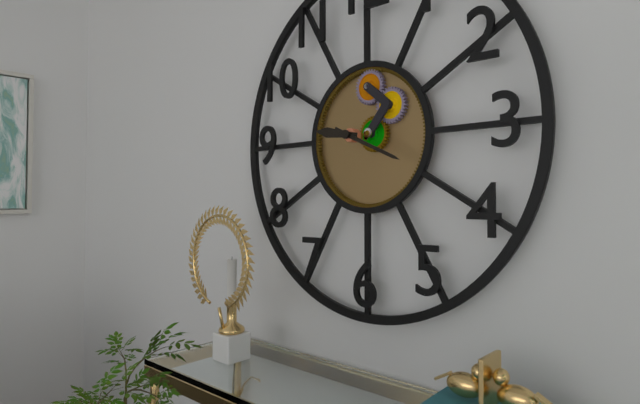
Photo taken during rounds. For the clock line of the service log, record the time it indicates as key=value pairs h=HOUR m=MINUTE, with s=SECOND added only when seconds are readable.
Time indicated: h=9 m=19
